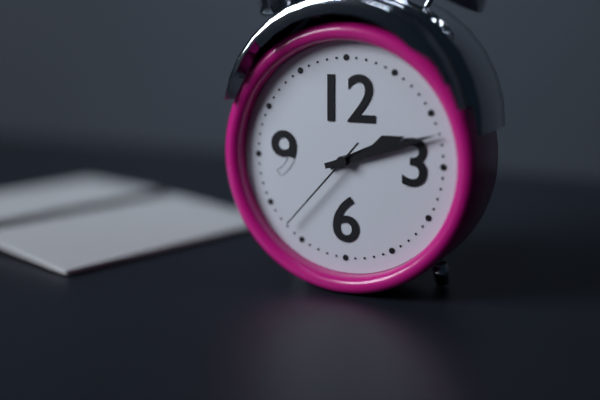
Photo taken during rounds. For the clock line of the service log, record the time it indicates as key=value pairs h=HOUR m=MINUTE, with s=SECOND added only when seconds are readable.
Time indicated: h=2 m=12 s=37
